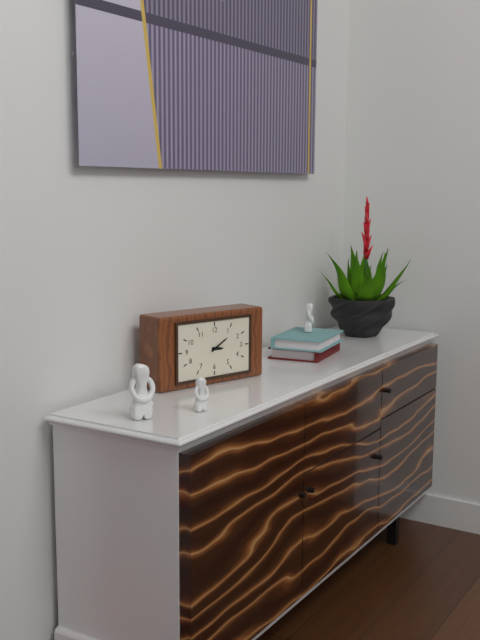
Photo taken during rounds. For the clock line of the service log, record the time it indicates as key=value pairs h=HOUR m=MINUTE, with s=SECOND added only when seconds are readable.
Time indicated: h=3 m=10
